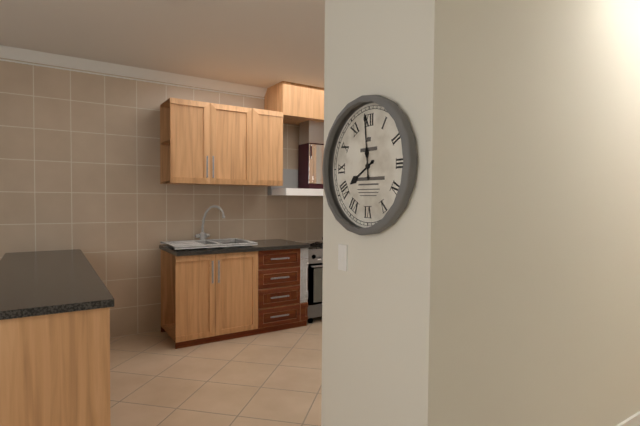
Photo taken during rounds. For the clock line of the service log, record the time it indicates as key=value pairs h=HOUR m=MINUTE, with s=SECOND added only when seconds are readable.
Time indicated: h=7 m=59
